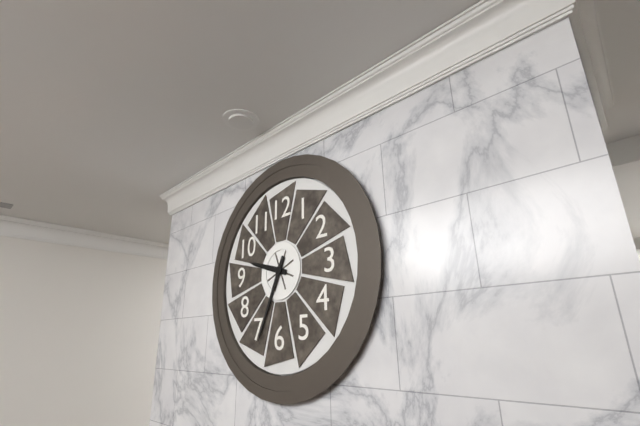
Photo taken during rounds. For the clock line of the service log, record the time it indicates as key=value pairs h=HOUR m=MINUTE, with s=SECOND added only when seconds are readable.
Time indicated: h=9 m=34
